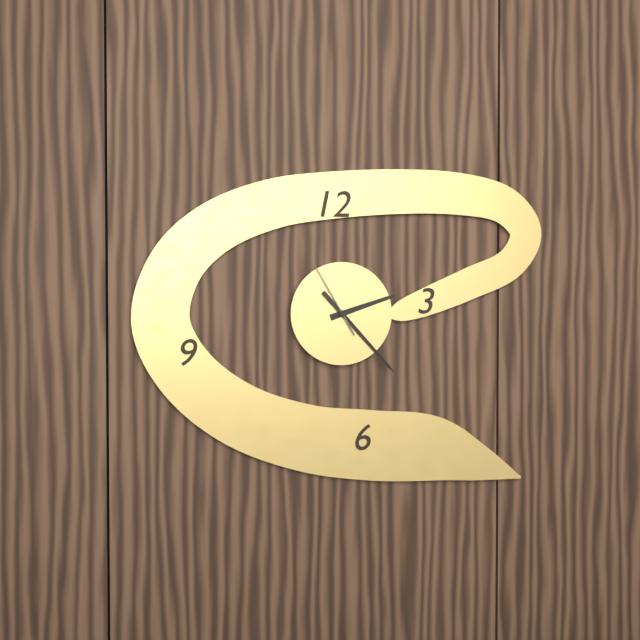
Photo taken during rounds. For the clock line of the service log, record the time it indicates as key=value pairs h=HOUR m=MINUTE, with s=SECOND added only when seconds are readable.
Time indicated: h=2 m=23 s=55
